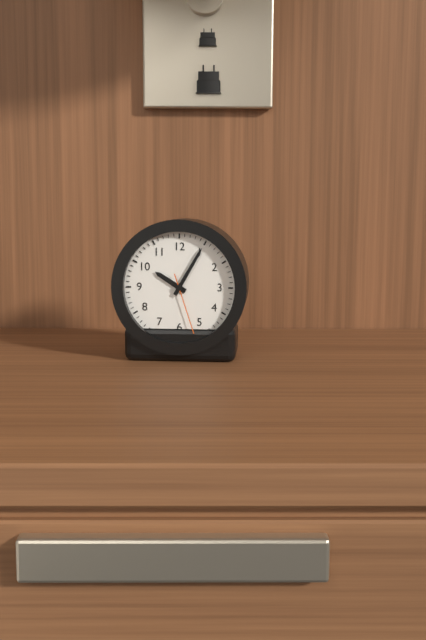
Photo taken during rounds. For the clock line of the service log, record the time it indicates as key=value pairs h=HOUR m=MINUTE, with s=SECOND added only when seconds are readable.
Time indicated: h=10 m=5 s=27
